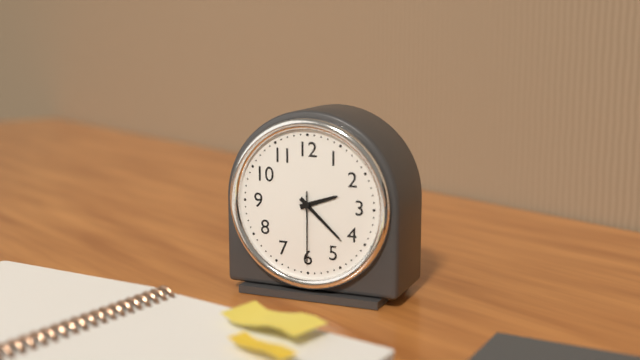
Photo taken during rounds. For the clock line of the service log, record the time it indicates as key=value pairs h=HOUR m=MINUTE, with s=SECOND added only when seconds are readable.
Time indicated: h=2 m=22 s=30
